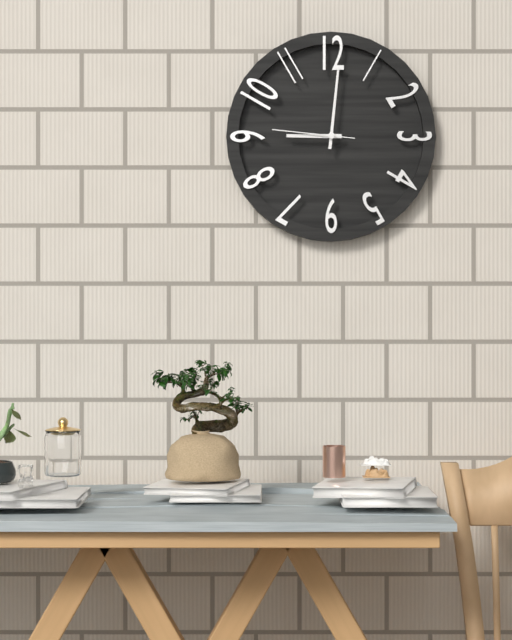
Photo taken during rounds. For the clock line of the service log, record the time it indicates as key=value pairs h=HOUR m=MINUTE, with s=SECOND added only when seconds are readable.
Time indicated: h=9 m=1 s=46
